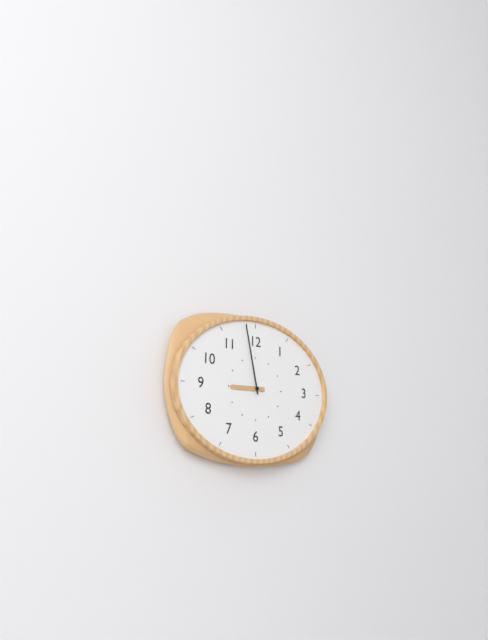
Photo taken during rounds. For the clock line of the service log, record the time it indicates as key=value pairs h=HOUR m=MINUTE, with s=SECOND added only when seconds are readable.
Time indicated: h=8 m=58
